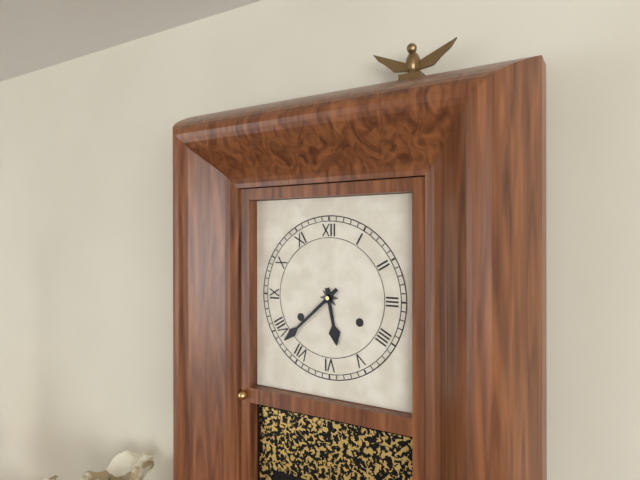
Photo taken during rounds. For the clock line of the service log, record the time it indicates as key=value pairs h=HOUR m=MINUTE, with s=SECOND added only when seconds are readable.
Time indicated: h=5 m=38
